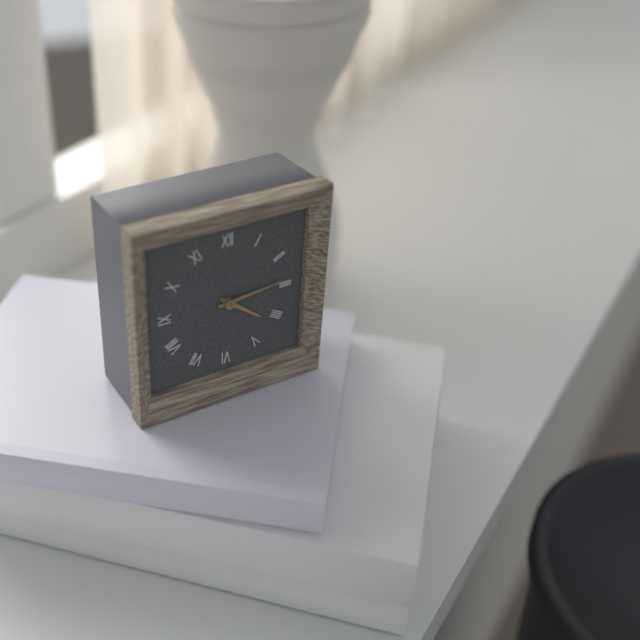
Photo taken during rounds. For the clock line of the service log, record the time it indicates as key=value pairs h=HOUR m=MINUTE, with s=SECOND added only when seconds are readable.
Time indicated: h=4 m=14
